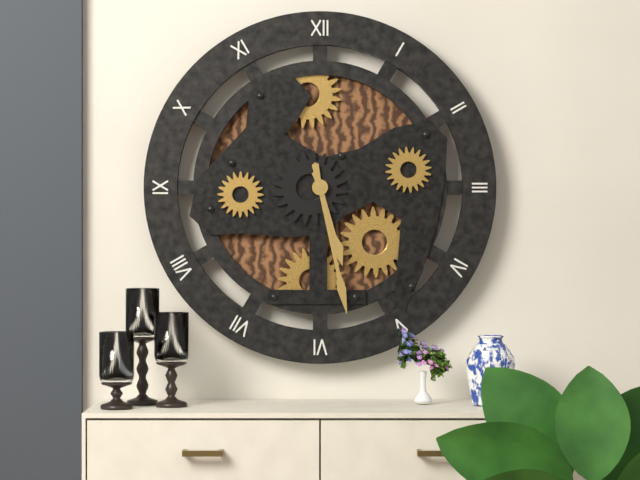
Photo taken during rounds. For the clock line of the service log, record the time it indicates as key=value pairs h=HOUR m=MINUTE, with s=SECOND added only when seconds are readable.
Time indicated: h=5 m=28
